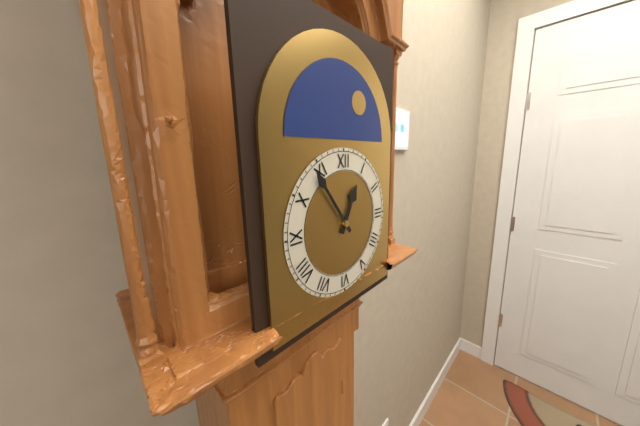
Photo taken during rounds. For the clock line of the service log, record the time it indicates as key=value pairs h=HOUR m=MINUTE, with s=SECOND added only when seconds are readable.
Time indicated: h=12 m=54
